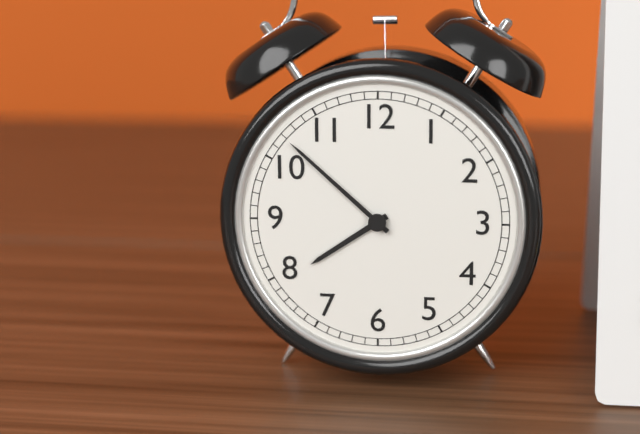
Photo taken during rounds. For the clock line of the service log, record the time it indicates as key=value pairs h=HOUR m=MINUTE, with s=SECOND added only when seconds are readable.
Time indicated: h=7 m=52
